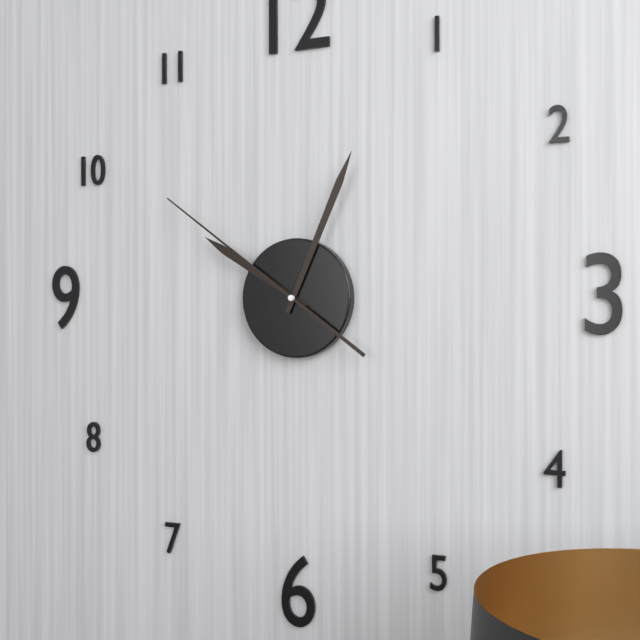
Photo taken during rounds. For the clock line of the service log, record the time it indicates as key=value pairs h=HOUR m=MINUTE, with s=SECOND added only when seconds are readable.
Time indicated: h=10 m=4 s=51
